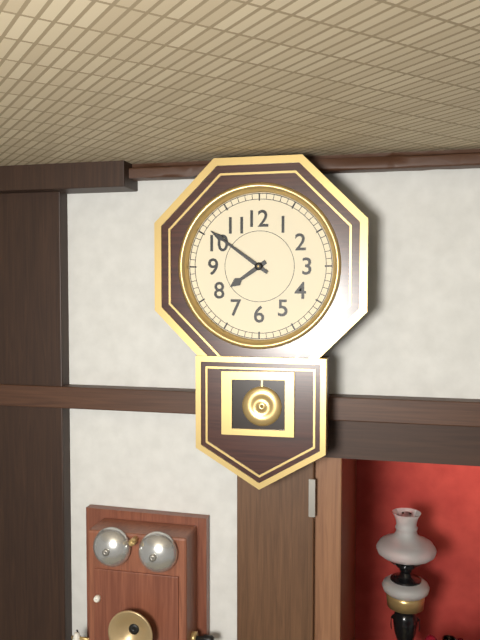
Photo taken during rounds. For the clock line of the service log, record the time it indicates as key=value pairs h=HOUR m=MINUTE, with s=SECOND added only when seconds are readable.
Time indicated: h=7 m=51
